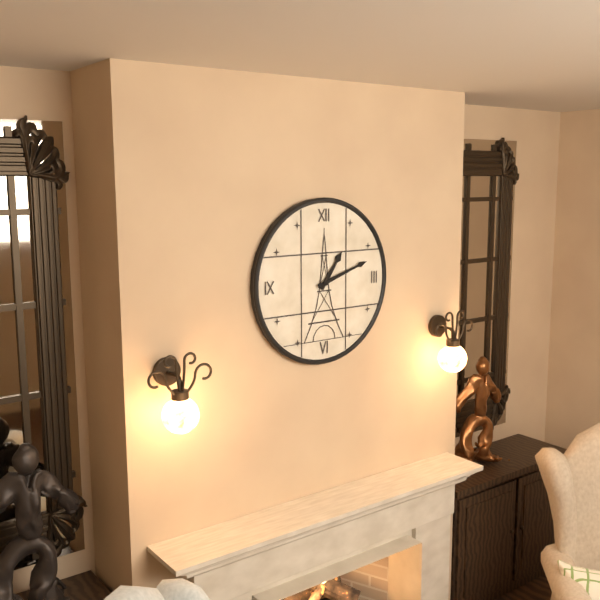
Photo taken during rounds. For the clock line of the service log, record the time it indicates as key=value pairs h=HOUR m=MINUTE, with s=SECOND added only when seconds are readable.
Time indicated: h=1 m=12
